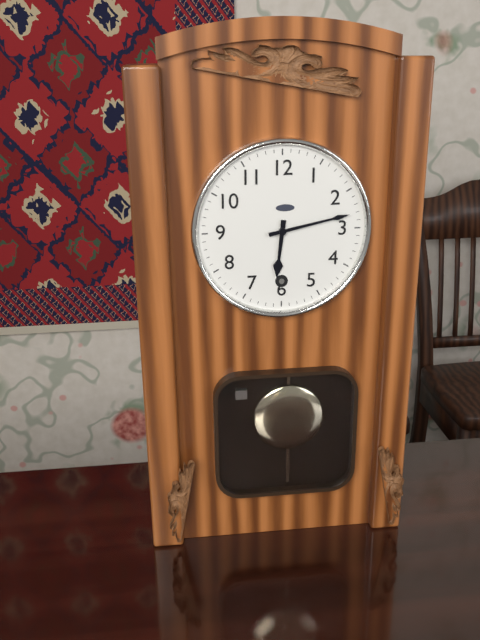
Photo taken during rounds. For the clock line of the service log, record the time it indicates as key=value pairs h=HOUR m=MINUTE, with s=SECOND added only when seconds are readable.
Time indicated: h=6 m=13
